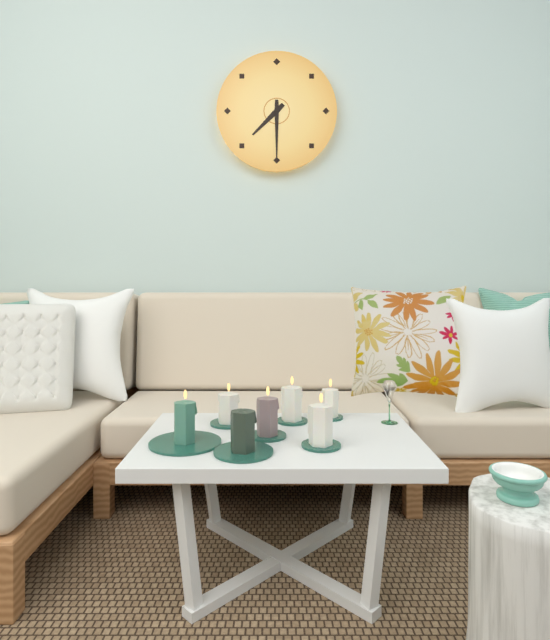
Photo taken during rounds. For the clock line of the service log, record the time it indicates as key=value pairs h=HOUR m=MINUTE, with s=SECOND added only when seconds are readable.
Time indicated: h=7 m=30
